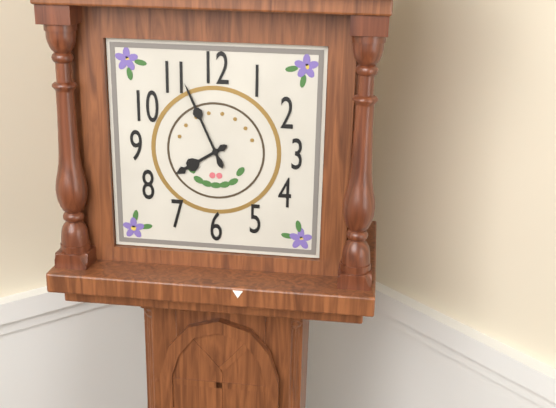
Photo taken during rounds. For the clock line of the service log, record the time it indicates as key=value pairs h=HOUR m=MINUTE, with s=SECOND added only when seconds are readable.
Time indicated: h=7 m=56
